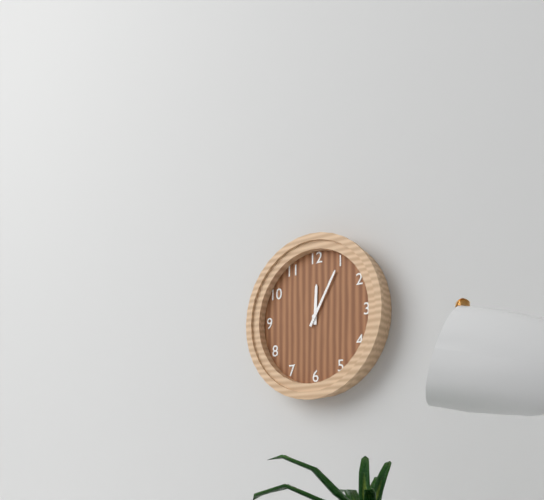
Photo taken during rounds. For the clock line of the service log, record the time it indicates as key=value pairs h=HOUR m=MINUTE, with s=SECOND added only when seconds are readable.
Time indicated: h=12 m=5
